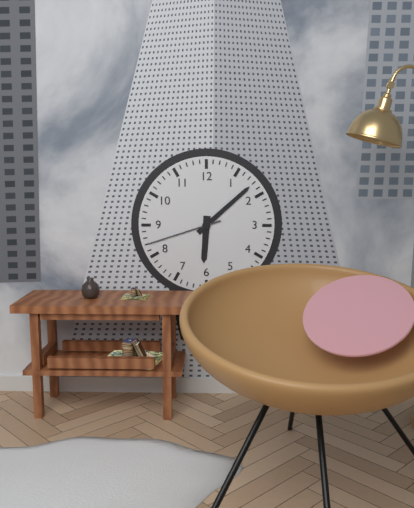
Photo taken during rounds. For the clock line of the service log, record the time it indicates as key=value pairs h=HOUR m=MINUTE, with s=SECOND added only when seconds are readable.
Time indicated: h=6 m=8 s=42
